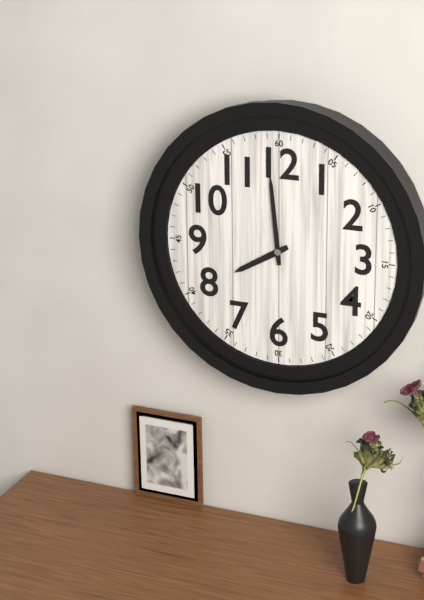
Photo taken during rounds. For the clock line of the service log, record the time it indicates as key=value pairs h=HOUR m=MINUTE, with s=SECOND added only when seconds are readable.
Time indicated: h=7 m=59
